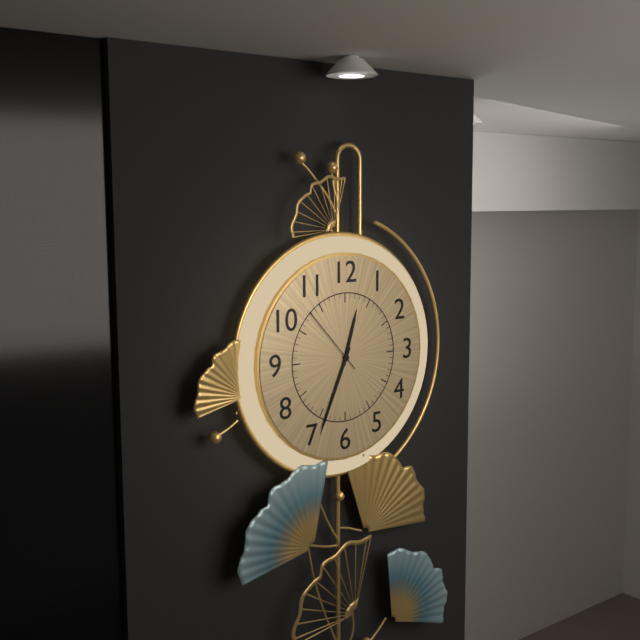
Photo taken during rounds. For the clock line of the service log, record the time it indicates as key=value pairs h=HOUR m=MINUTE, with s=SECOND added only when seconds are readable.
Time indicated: h=12 m=34 s=53
